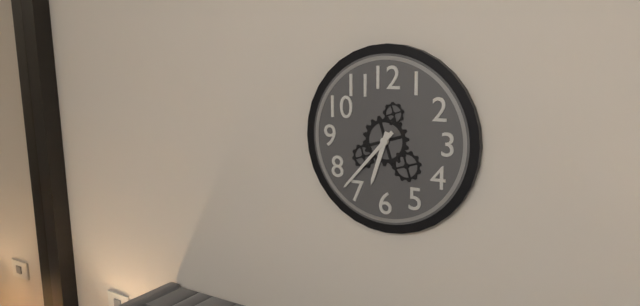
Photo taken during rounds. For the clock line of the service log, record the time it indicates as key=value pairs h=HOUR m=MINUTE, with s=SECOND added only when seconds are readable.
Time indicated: h=6 m=37
